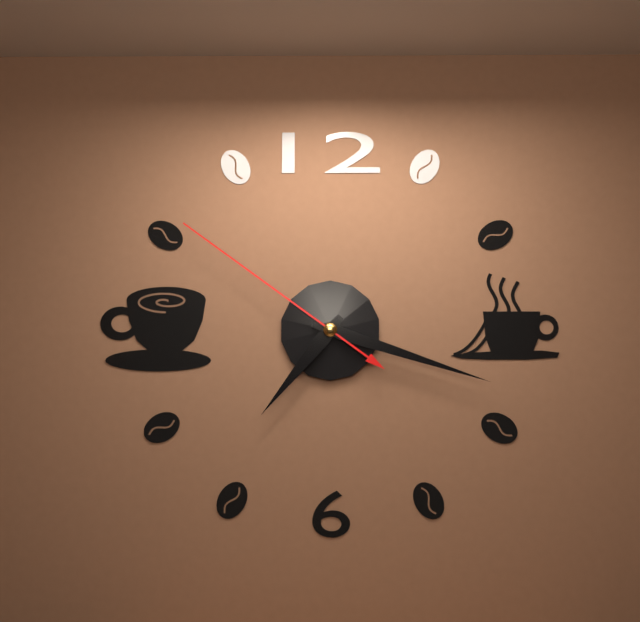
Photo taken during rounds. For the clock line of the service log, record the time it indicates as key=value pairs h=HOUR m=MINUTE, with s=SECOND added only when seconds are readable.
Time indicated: h=7 m=18 s=51
